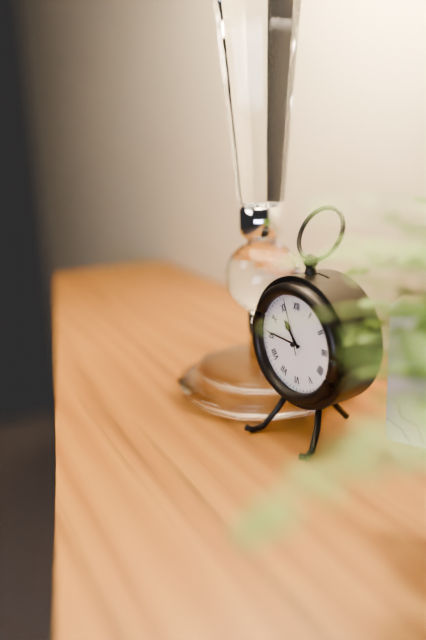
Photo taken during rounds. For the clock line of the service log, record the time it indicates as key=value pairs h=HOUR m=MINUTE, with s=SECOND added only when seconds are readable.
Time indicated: h=10 m=46 s=57
